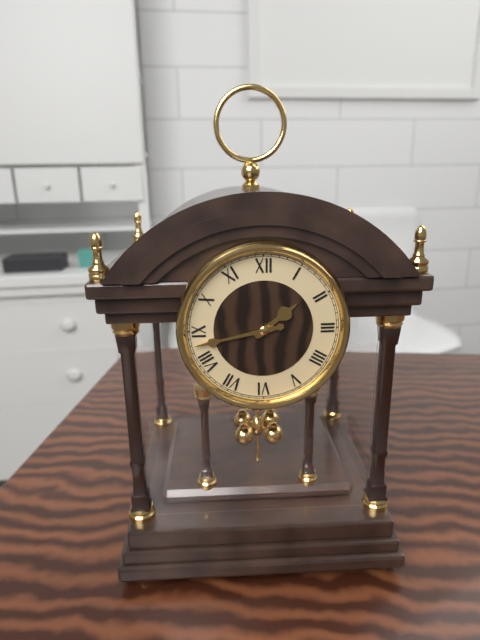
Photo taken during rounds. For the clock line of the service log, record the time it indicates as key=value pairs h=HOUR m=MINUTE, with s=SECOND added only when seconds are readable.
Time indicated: h=1 m=43
